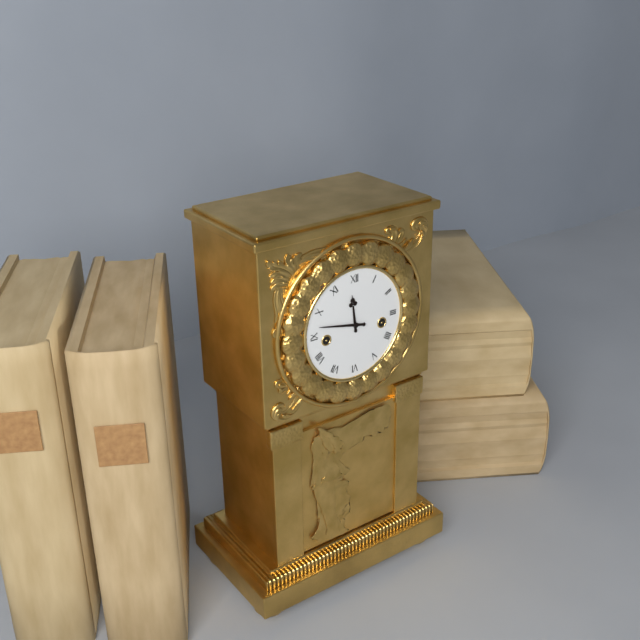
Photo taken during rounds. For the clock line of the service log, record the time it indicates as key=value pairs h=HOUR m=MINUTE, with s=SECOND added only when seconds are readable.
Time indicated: h=11 m=47
